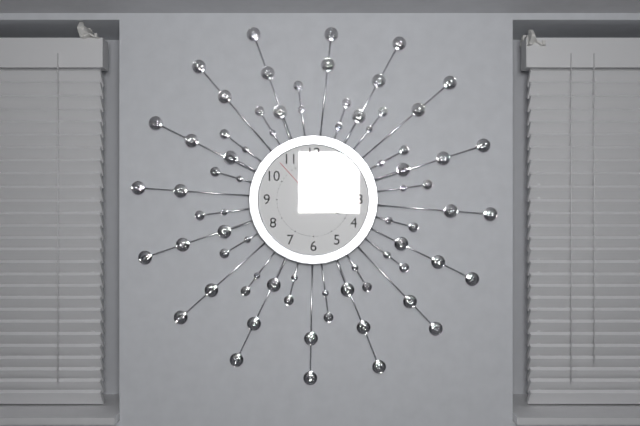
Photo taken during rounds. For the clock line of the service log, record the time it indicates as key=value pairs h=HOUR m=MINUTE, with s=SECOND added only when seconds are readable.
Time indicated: h=3 m=57 s=53
